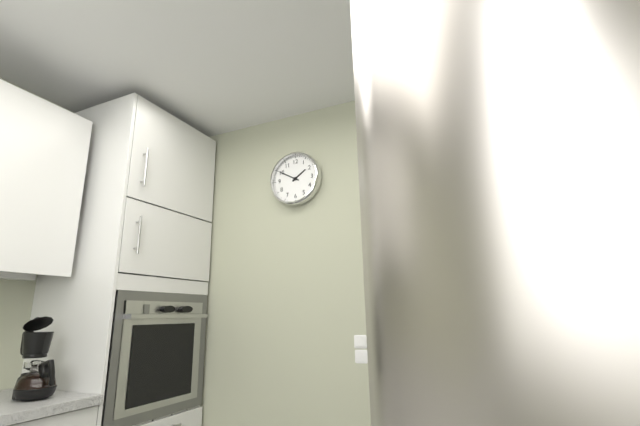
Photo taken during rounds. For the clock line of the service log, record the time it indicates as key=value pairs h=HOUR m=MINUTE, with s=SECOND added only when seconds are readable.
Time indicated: h=1 m=50
